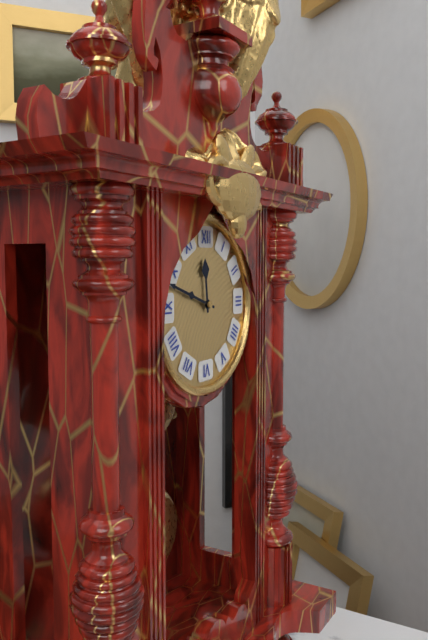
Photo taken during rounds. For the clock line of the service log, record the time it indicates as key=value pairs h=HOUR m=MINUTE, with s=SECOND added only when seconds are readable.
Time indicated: h=11 m=48
